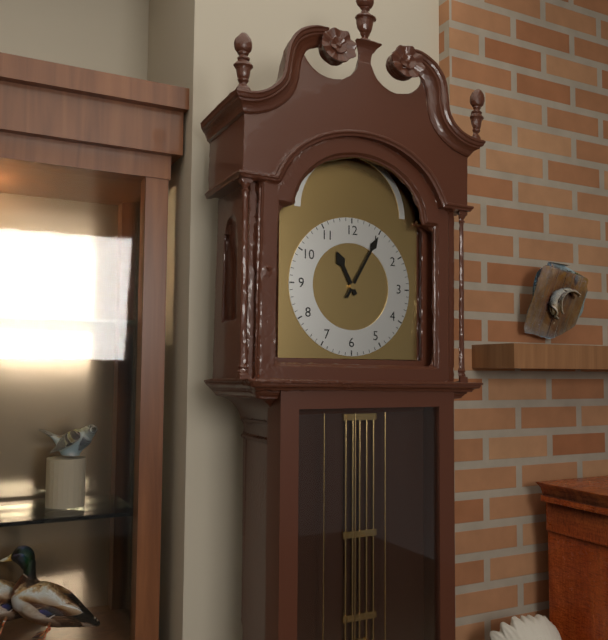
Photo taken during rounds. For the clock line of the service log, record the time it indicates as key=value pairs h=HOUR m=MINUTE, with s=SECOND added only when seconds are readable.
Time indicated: h=11 m=5
